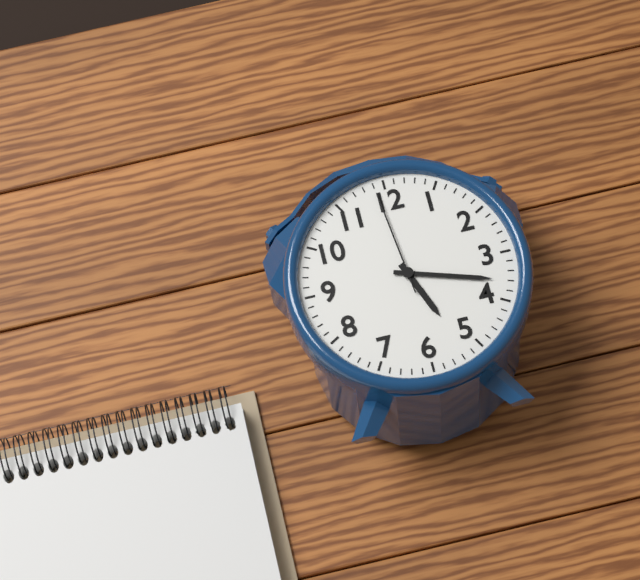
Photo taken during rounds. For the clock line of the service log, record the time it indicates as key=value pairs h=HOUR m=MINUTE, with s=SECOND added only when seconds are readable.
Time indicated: h=5 m=18 s=59
